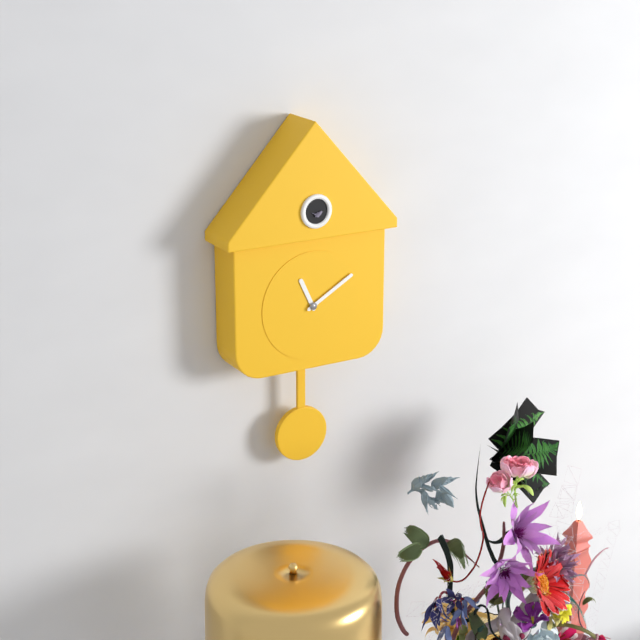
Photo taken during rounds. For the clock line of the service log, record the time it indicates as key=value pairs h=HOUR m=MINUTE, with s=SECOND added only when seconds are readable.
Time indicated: h=11 m=10
